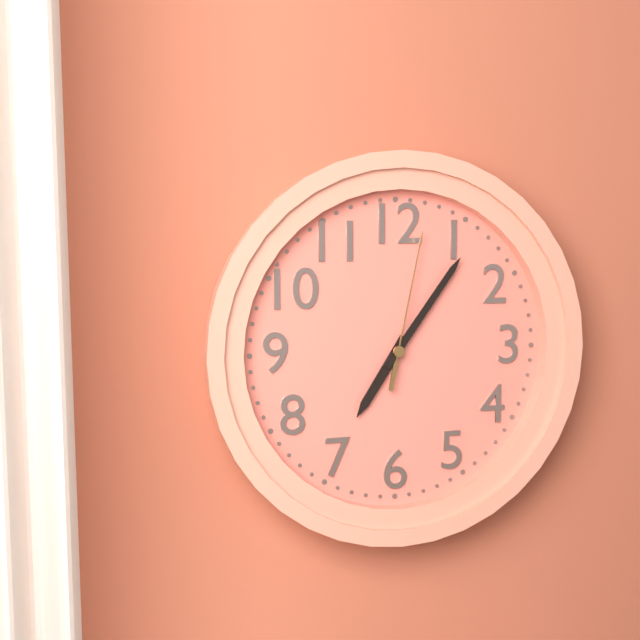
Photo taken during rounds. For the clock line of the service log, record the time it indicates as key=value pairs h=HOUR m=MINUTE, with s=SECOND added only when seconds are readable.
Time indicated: h=7 m=6 s=2
